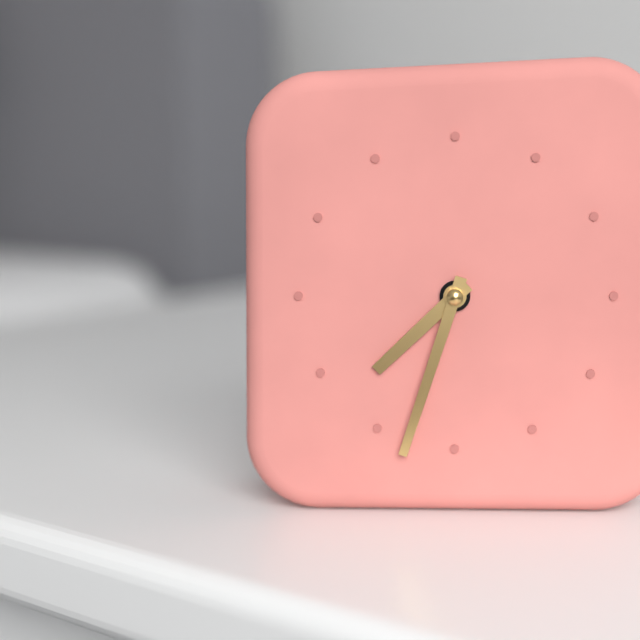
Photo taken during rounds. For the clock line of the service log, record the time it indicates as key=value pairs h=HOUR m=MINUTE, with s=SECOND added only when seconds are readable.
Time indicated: h=7 m=33
